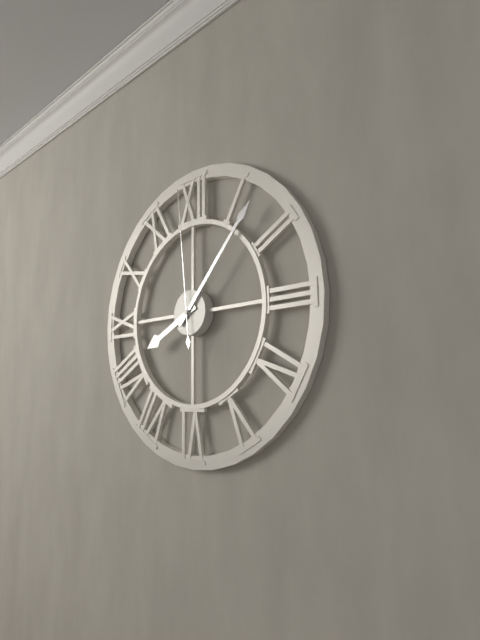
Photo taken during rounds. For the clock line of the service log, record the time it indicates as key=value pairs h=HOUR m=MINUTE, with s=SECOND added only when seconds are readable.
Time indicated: h=8 m=7 s=59
